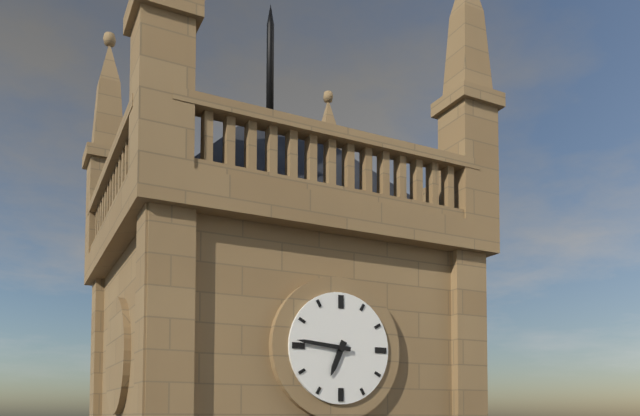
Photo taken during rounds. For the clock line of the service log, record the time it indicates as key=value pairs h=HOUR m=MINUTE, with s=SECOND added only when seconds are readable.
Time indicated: h=6 m=46
